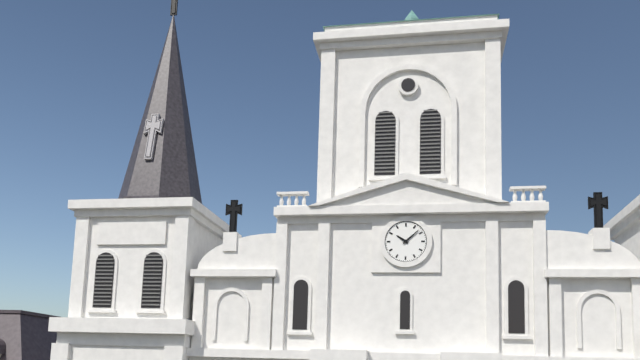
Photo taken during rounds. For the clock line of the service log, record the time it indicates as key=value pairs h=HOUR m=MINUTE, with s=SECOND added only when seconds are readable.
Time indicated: h=10 m=8
